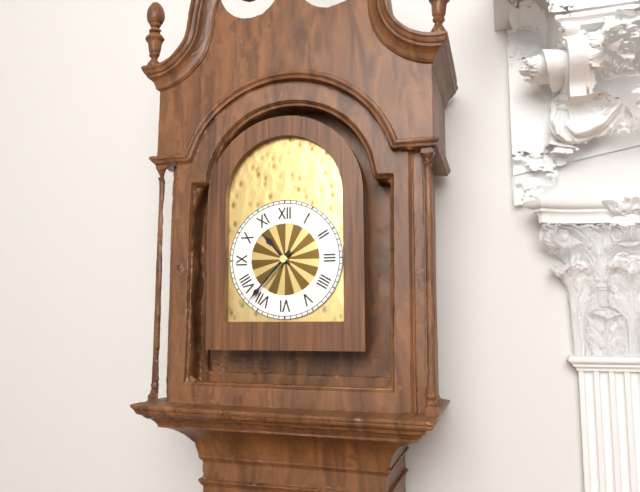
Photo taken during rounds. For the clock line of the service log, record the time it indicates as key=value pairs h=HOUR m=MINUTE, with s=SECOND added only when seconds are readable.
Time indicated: h=10 m=37
